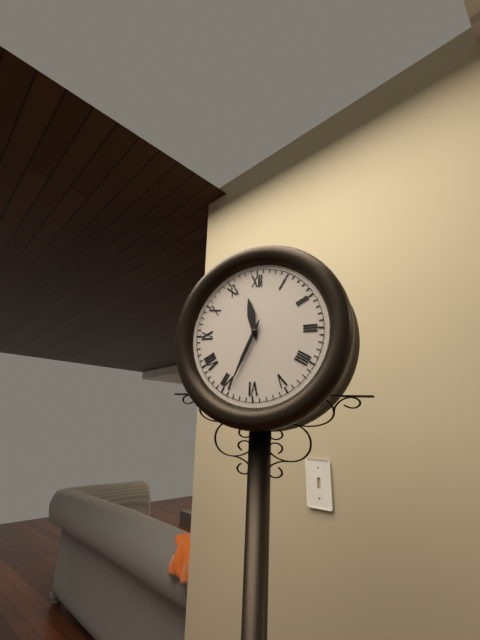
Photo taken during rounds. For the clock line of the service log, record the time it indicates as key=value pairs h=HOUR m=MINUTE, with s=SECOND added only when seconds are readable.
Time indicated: h=11 m=34
